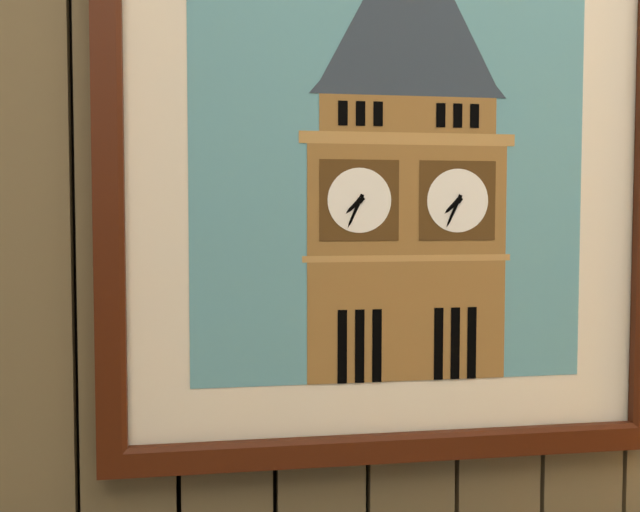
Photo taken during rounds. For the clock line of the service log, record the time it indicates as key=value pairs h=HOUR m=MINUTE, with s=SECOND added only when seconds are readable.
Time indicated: h=7 m=34
